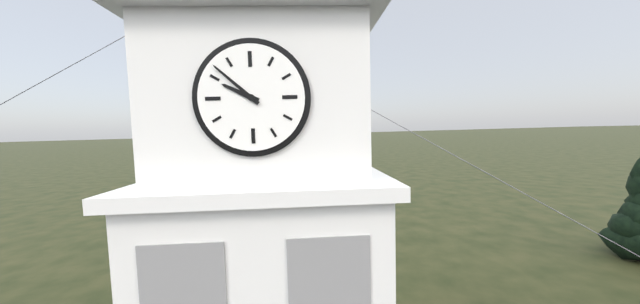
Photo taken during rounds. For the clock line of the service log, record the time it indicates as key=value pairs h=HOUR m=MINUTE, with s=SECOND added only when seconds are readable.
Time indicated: h=9 m=52
